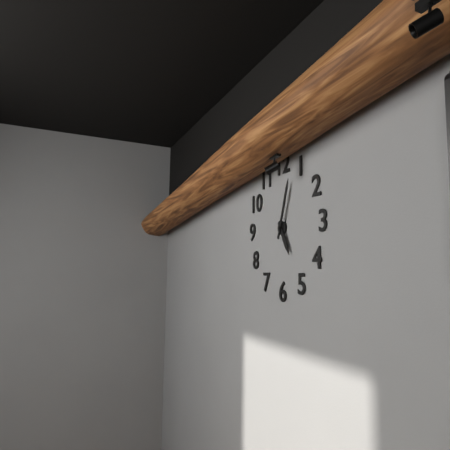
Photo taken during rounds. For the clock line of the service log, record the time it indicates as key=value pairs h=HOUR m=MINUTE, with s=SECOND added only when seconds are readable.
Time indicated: h=5 m=3
